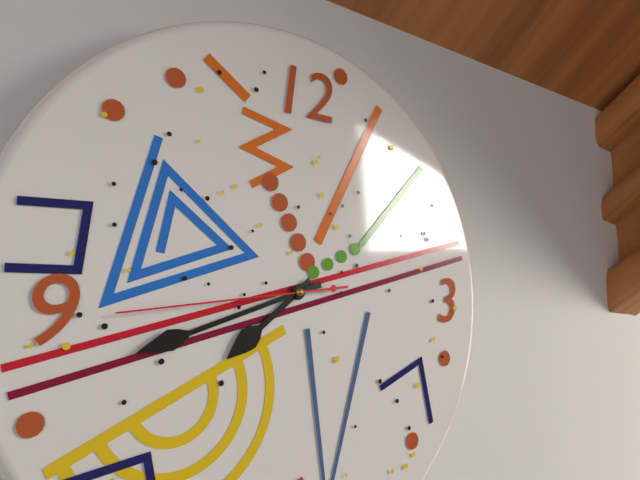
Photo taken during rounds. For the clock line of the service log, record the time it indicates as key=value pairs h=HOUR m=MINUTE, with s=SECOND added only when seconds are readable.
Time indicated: h=7 m=42 s=44
